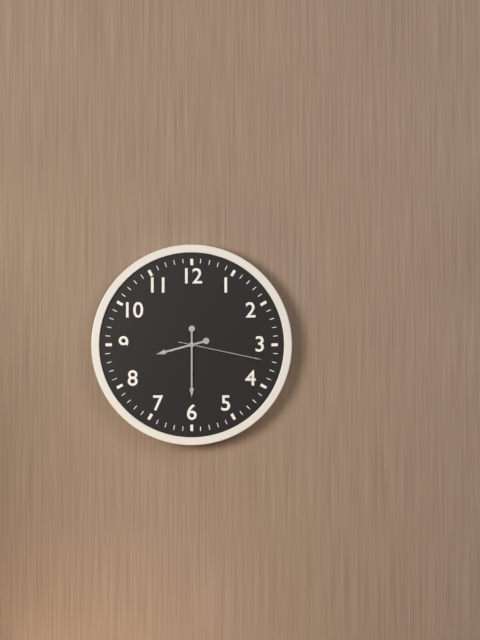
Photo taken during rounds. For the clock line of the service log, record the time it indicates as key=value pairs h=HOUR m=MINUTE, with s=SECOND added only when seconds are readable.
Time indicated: h=8 m=30 s=17
